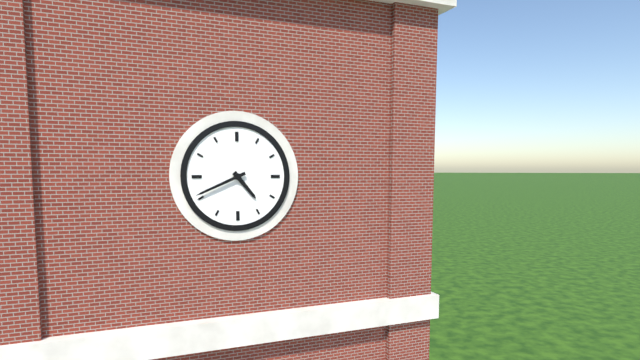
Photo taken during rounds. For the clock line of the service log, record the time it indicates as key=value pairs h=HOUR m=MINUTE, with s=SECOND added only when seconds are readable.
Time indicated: h=4 m=41
